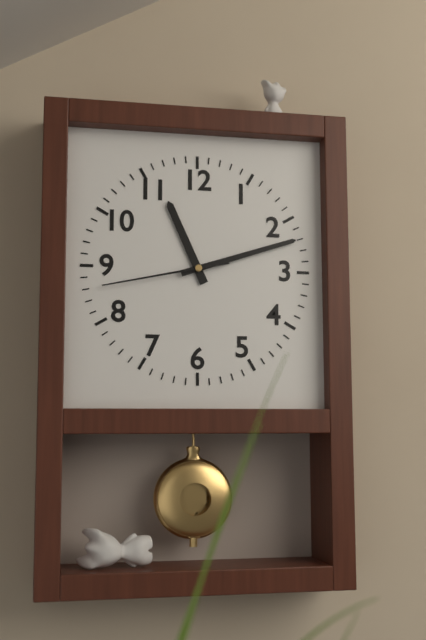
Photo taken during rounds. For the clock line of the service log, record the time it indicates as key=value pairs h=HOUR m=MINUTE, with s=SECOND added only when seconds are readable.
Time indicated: h=11 m=12 s=43
